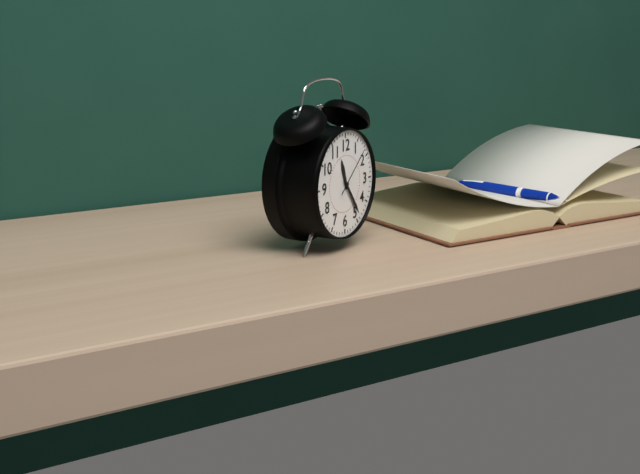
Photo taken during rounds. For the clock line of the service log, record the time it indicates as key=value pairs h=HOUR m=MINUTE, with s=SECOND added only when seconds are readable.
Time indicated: h=11 m=24 s=8
